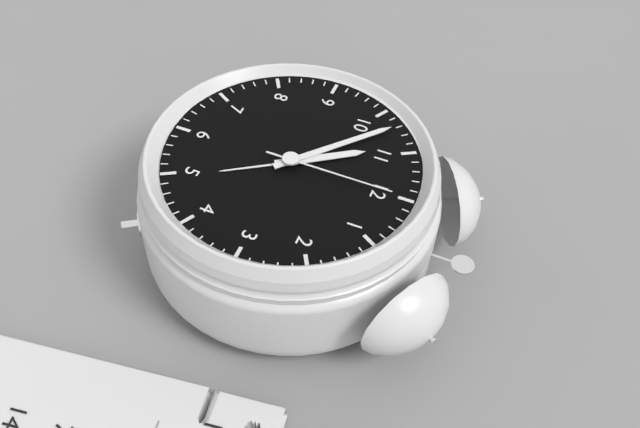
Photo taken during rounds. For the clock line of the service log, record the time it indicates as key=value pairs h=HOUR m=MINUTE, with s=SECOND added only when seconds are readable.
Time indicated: h=10 m=52 s=0
